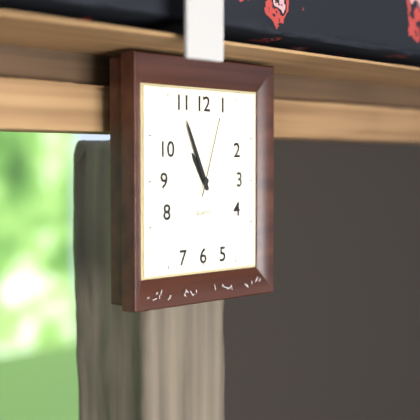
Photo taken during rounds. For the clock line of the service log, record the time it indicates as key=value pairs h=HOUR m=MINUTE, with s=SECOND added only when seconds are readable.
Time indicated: h=10 m=56 s=3
